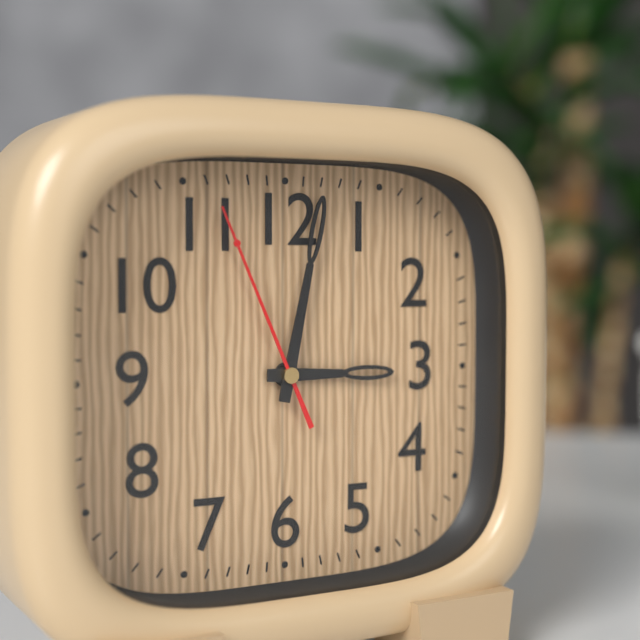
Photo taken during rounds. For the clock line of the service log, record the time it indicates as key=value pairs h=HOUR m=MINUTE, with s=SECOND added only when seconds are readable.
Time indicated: h=3 m=2 s=56
